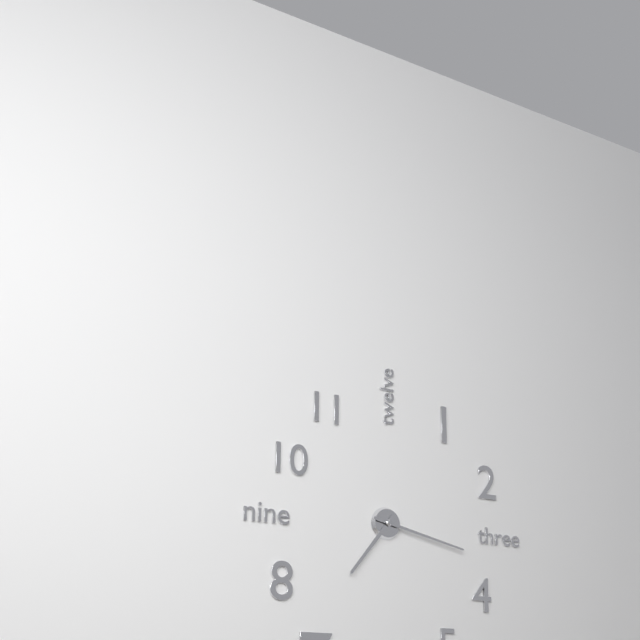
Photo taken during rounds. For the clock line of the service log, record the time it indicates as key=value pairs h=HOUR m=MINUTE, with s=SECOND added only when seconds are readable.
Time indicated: h=7 m=17
